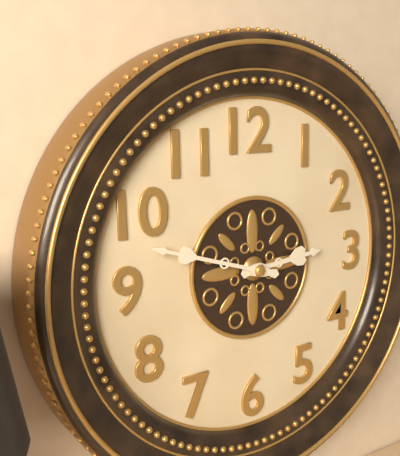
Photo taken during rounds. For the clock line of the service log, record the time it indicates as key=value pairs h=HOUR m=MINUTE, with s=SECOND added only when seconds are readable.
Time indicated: h=2 m=48
